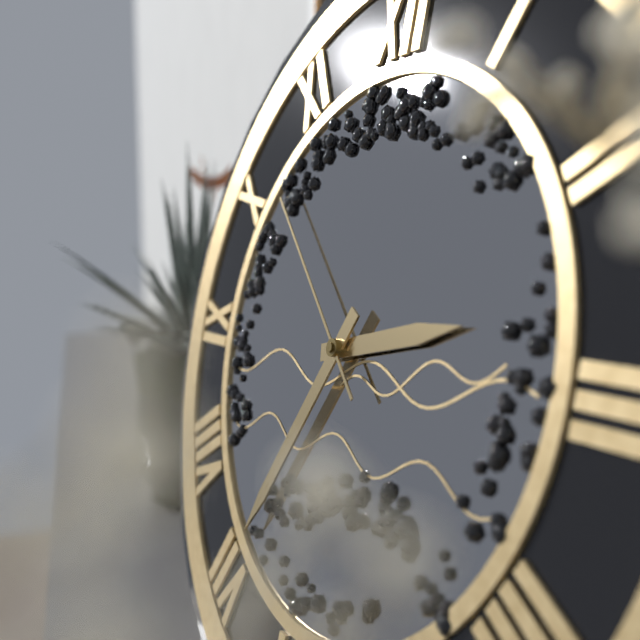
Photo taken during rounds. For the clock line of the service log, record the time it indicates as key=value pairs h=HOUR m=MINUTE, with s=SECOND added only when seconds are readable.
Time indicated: h=2 m=35 s=52
